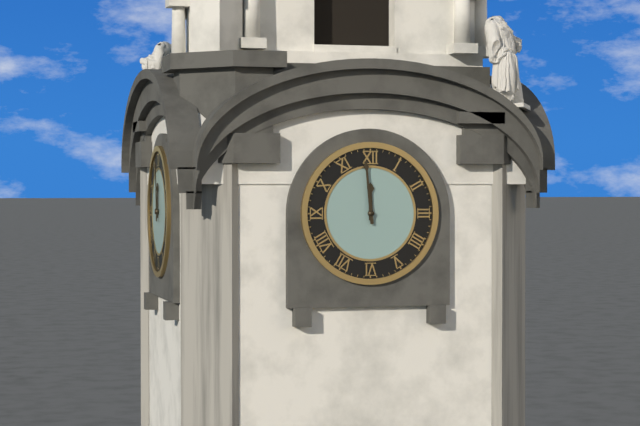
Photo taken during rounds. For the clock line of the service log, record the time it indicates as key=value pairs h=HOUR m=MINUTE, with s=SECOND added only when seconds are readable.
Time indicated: h=11 m=59
